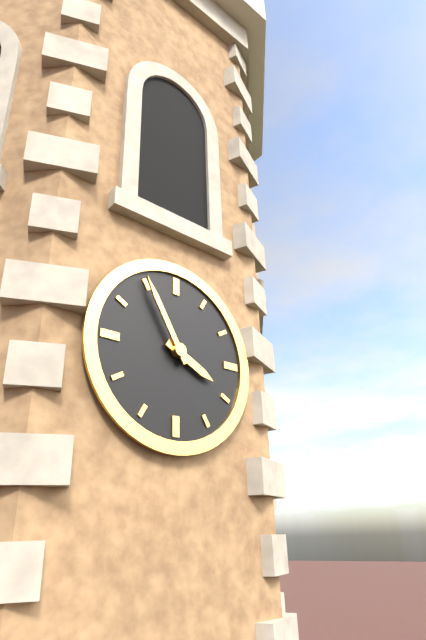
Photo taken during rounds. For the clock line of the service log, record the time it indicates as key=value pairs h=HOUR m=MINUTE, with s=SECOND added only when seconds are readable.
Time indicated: h=3 m=55
